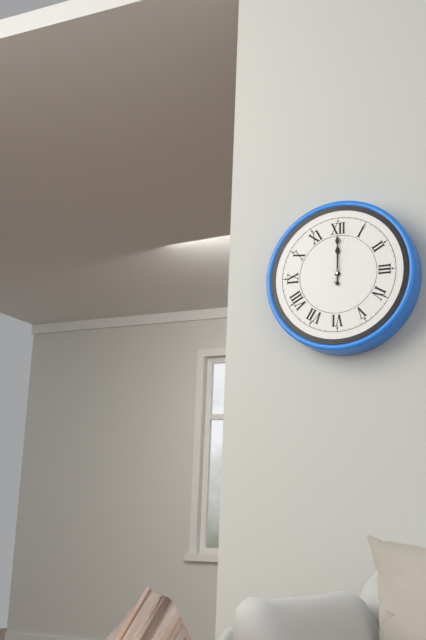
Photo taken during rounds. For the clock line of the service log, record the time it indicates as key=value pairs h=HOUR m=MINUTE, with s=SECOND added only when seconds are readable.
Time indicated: h=12 m=0 s=2
